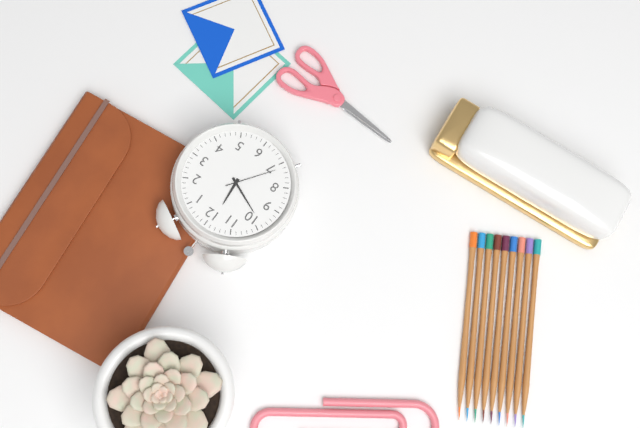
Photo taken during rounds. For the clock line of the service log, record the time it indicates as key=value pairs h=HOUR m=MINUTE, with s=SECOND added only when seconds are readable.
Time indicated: h=11 m=49 s=36
